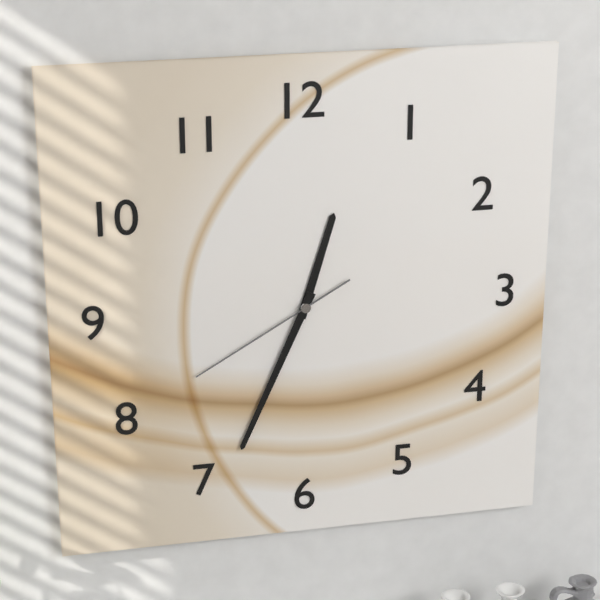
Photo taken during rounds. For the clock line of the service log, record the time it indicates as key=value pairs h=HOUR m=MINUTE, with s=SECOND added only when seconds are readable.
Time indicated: h=12 m=34 s=40
